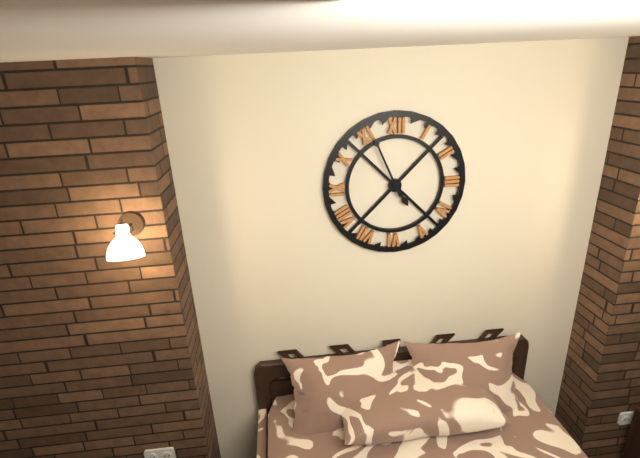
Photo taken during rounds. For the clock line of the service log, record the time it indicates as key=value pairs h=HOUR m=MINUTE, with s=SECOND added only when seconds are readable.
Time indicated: h=4 m=56
